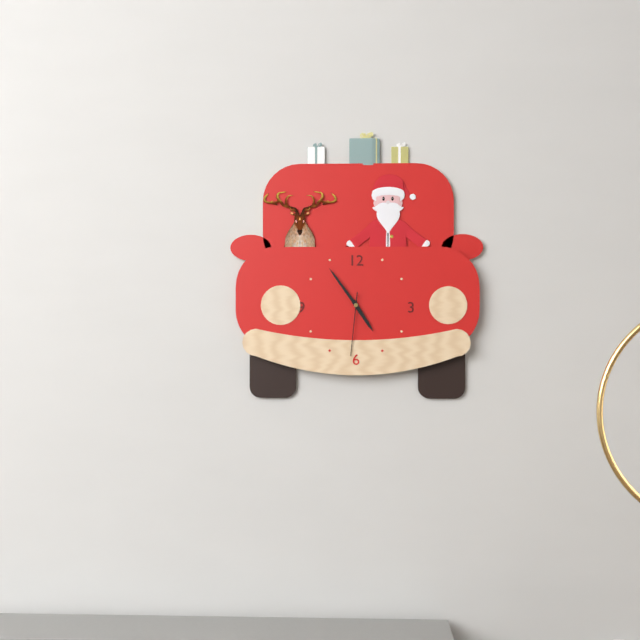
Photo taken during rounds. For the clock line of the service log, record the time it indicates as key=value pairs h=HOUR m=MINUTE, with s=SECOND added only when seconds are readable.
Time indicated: h=4 m=54 s=31
